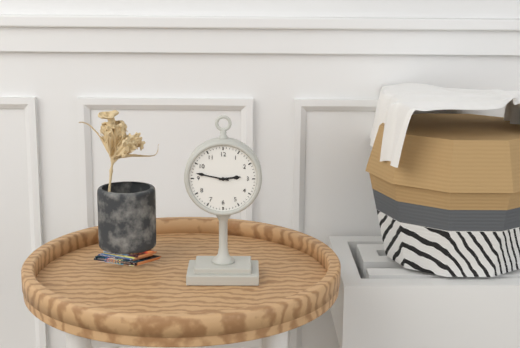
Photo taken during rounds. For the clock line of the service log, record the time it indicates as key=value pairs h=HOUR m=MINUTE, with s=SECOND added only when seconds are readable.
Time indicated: h=2 m=47
